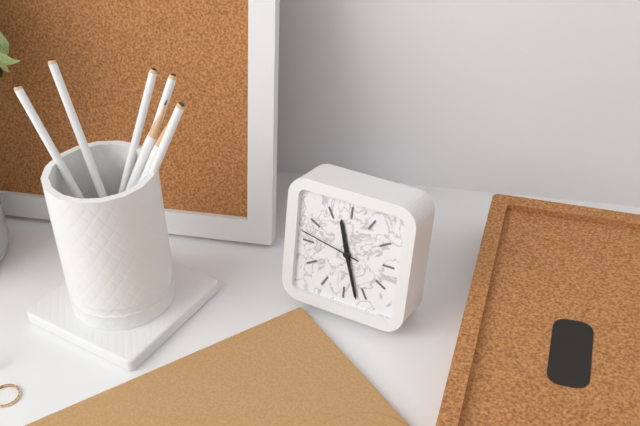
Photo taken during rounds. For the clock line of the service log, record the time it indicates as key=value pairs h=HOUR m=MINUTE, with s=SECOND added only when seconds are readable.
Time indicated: h=11 m=27 s=47
